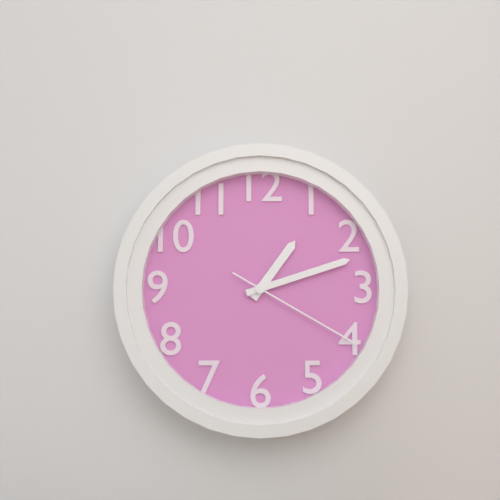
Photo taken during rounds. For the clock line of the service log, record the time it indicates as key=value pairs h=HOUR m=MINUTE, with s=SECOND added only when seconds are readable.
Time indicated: h=1 m=12 s=20
